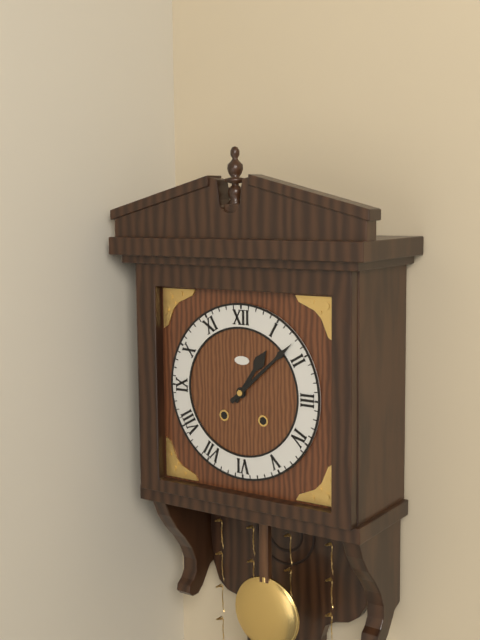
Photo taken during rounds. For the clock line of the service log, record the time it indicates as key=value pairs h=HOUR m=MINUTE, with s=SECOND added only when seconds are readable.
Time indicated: h=1 m=8
